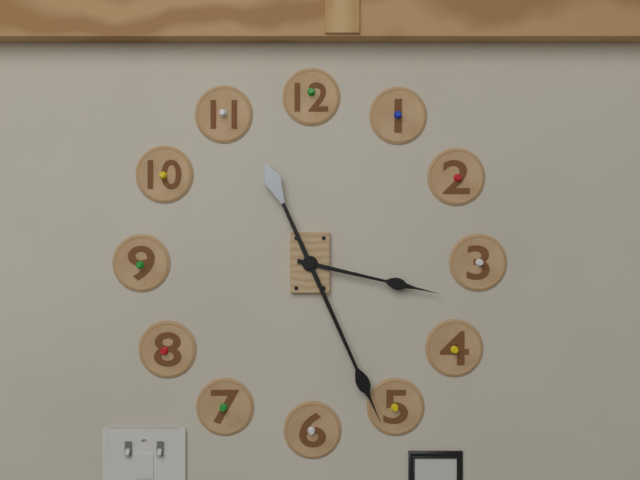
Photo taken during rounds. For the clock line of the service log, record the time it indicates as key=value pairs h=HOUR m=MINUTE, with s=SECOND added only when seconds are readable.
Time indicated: h=3 m=26
